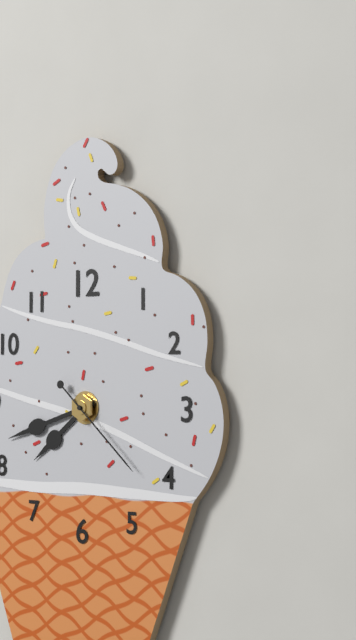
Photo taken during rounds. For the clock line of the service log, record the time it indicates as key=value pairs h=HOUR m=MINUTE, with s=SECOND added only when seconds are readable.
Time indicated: h=7 m=42 s=22
